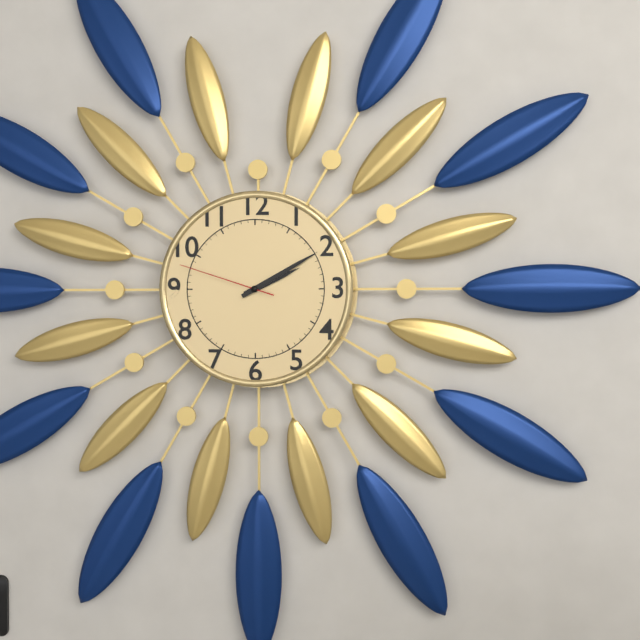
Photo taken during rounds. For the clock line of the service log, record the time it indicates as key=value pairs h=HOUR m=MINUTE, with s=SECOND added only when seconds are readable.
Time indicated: h=2 m=10 s=48
